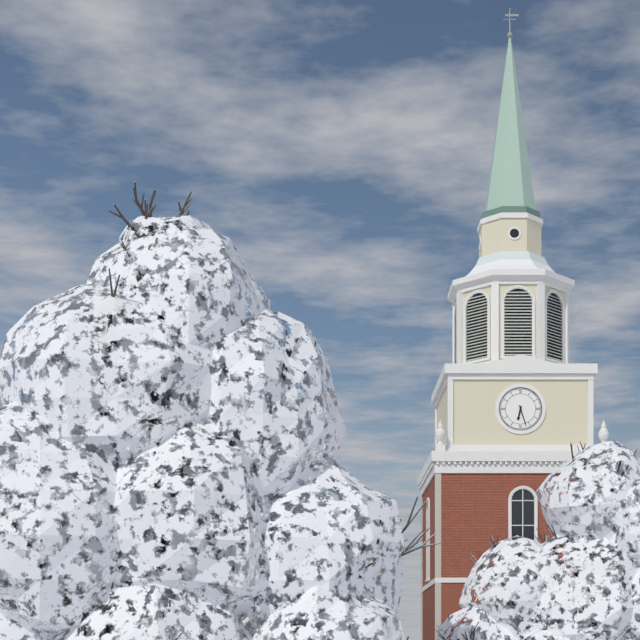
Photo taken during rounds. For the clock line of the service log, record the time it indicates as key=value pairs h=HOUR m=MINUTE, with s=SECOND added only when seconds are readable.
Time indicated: h=6 m=27
